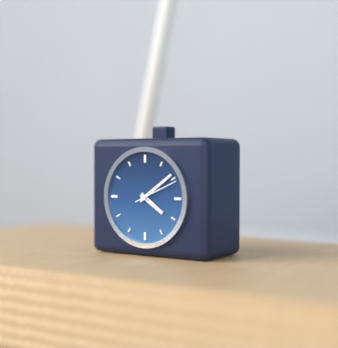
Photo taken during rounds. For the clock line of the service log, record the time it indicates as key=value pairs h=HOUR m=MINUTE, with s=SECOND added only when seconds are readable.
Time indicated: h=4 m=9
